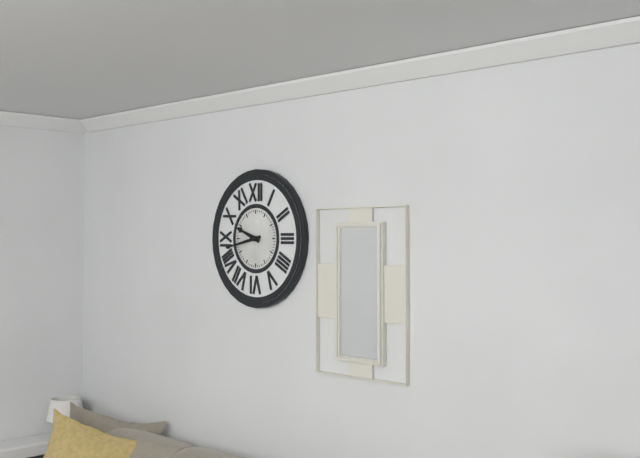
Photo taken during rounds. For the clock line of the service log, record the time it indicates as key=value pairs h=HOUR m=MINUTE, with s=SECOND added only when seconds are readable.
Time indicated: h=9 m=43
